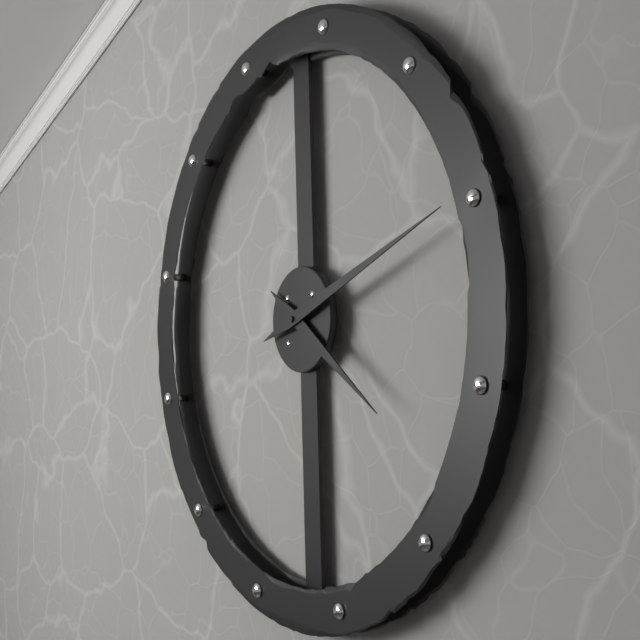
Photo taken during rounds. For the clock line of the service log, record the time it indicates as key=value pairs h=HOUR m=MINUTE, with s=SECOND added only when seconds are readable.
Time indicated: h=4 m=12
